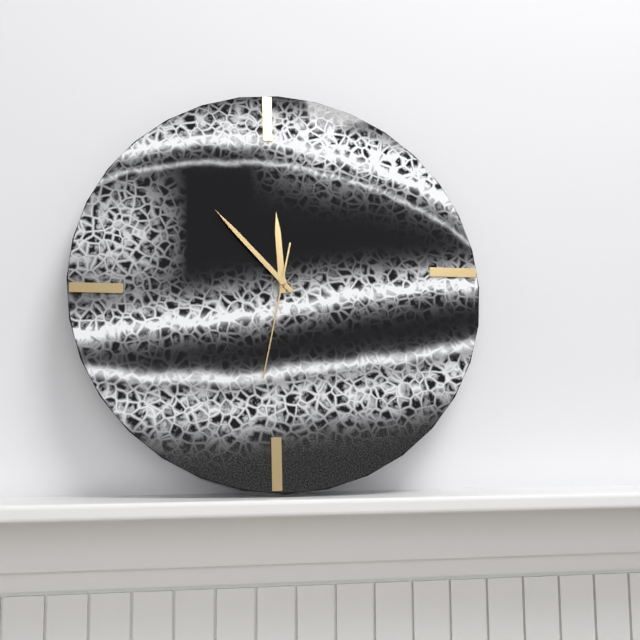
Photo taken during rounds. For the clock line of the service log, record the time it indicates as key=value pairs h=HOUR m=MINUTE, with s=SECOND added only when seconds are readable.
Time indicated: h=11 m=53 s=32
